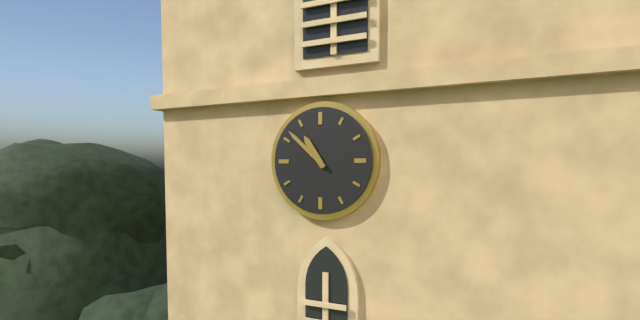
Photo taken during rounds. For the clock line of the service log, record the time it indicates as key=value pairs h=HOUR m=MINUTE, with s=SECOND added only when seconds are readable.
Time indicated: h=10 m=52
